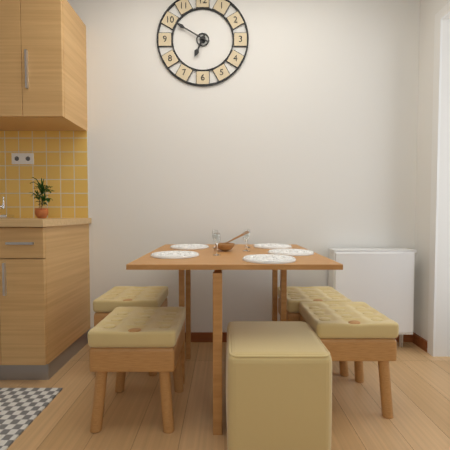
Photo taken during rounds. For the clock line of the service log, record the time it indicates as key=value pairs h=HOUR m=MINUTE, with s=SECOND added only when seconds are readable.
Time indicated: h=6 m=50
